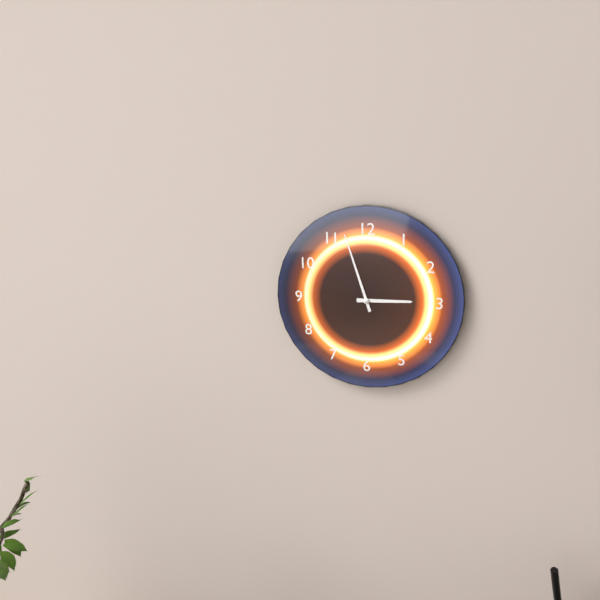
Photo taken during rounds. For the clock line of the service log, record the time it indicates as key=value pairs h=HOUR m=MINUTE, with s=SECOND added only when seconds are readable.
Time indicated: h=2 m=57
